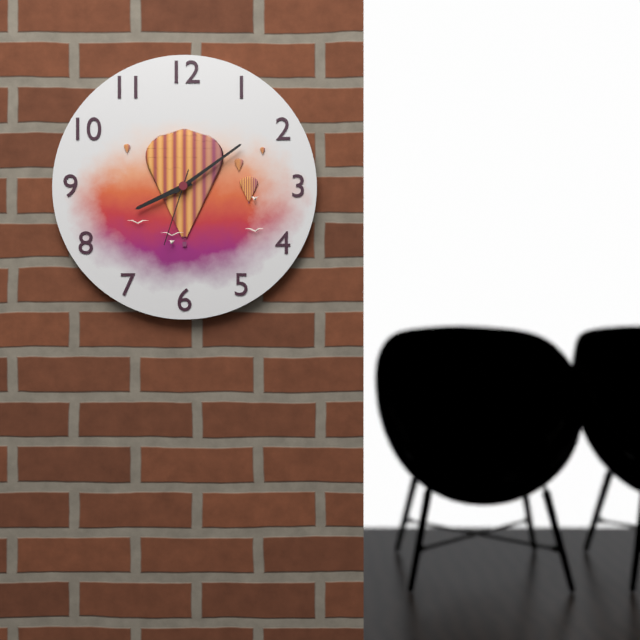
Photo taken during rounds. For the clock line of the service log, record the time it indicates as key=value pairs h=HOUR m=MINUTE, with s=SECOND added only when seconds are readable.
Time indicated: h=8 m=9 s=33
